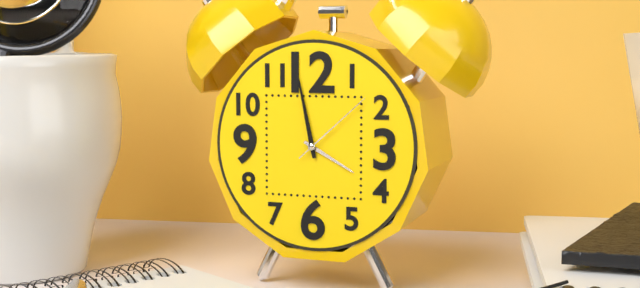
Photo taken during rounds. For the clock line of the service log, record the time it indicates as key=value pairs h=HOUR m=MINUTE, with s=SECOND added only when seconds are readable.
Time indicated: h=3 m=58 s=8
